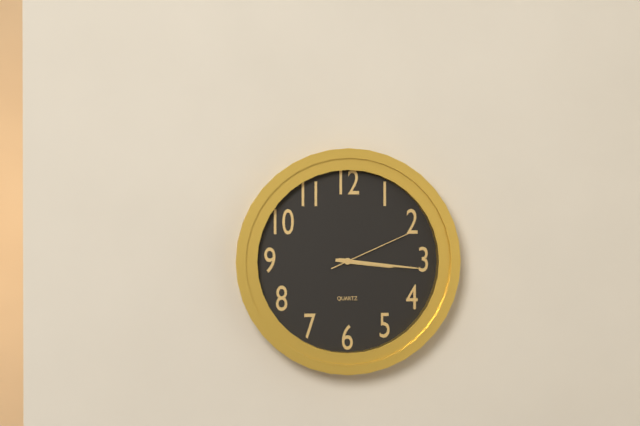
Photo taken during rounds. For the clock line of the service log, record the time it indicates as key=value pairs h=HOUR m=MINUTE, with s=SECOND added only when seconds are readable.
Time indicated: h=3 m=16 s=11
